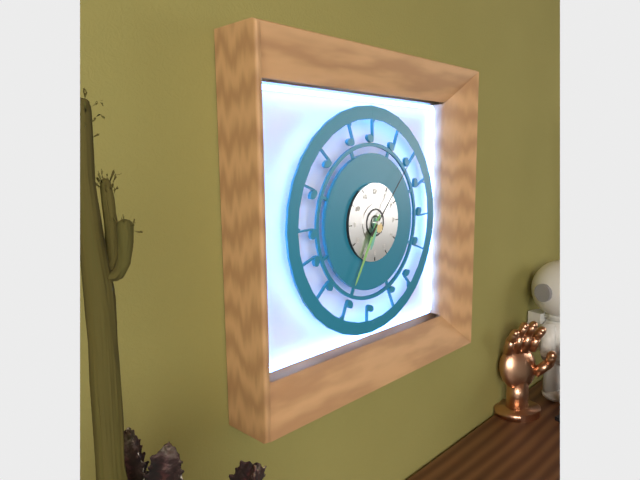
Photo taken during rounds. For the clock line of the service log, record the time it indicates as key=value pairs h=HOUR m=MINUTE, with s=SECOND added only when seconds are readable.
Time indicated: h=6 m=35 s=7
